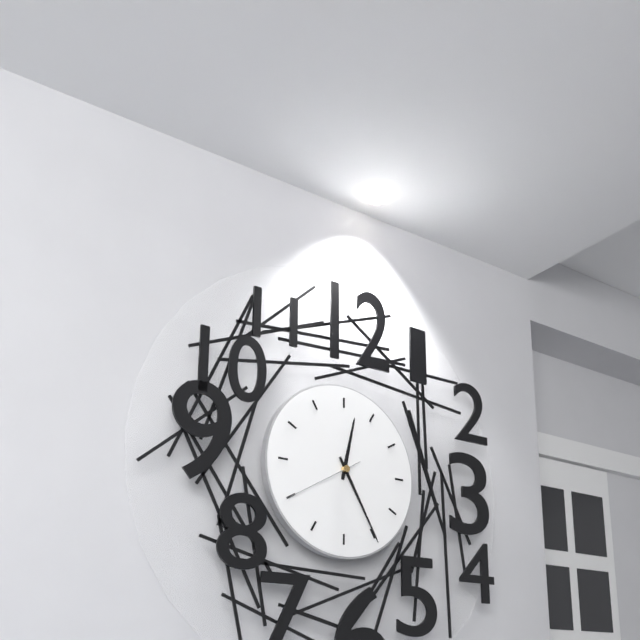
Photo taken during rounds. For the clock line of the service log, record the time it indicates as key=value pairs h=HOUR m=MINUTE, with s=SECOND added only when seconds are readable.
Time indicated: h=12 m=25 s=40
